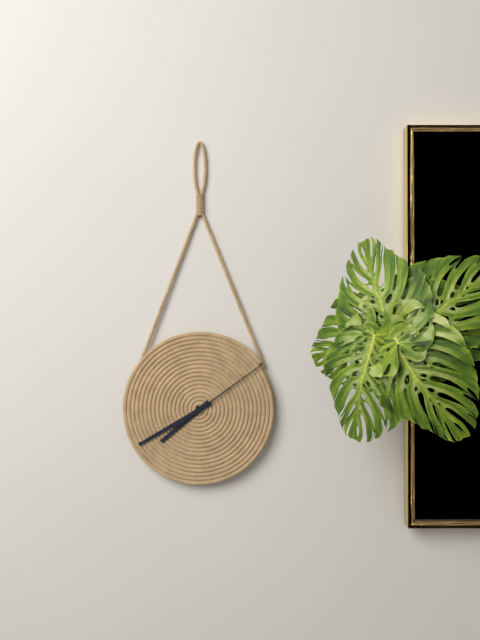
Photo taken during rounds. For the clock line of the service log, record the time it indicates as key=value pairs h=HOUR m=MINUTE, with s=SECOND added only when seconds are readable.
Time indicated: h=7 m=40 s=9
